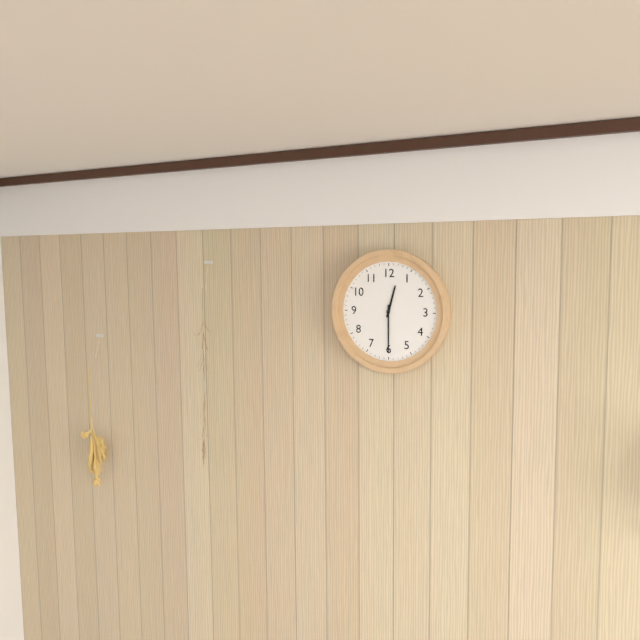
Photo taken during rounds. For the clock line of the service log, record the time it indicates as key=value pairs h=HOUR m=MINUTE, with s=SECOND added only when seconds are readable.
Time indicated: h=12 m=30
